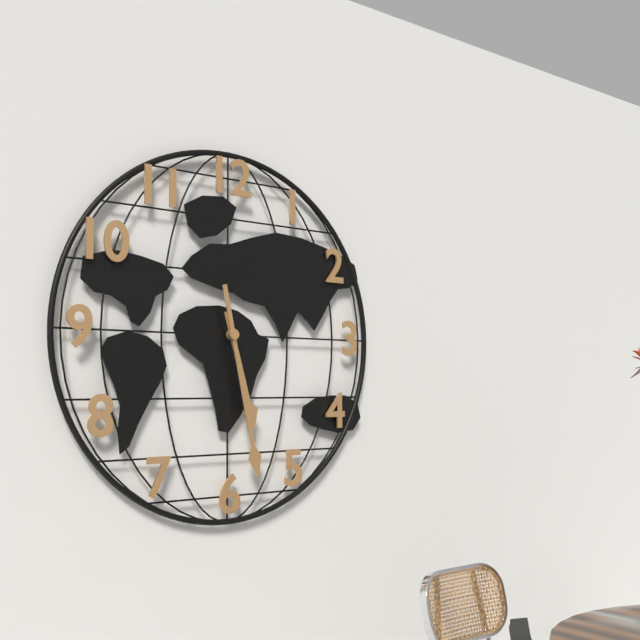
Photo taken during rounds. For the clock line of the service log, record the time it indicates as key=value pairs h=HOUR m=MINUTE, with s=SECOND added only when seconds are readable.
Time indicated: h=5 m=28
